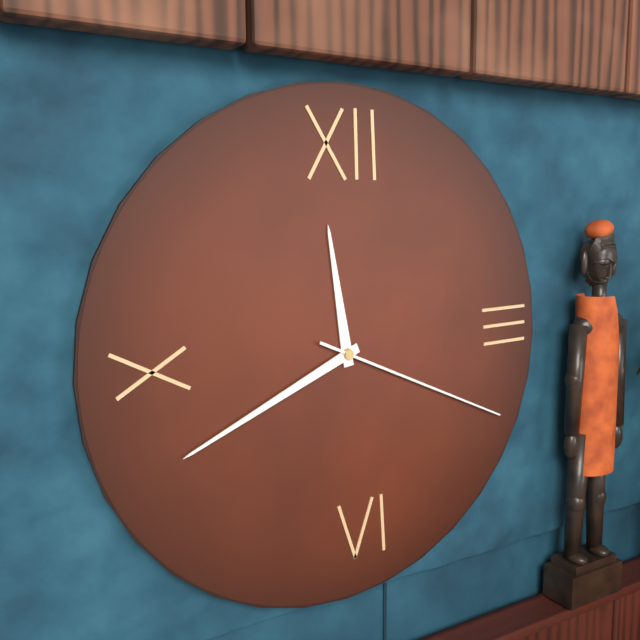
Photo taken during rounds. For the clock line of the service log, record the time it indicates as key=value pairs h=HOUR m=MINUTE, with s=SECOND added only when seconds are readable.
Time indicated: h=11 m=41 s=19
